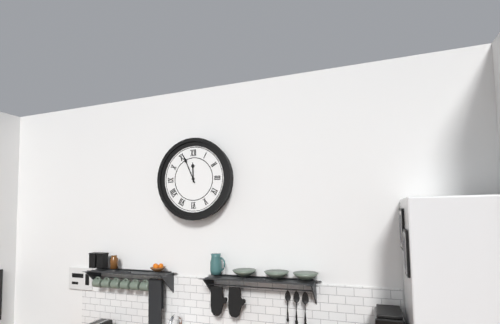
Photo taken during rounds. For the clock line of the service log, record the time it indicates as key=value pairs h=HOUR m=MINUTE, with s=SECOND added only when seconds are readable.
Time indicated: h=11 m=56
